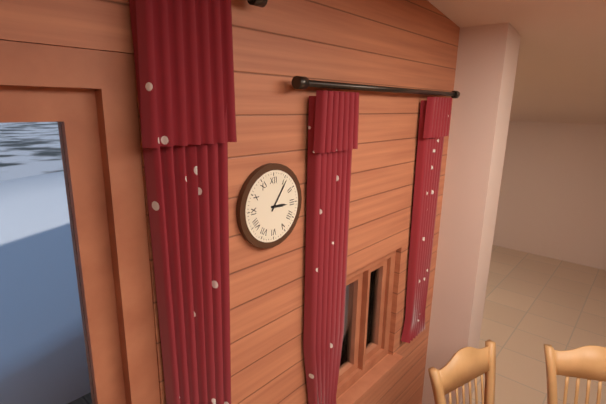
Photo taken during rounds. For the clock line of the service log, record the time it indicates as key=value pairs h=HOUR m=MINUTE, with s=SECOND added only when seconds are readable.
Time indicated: h=3 m=6
